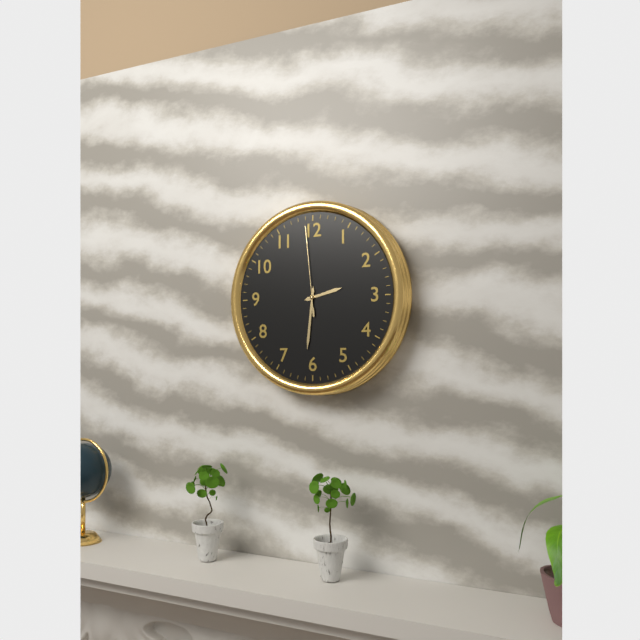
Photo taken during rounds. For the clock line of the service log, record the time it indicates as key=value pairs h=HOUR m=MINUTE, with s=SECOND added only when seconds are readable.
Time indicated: h=2 m=31 s=59
